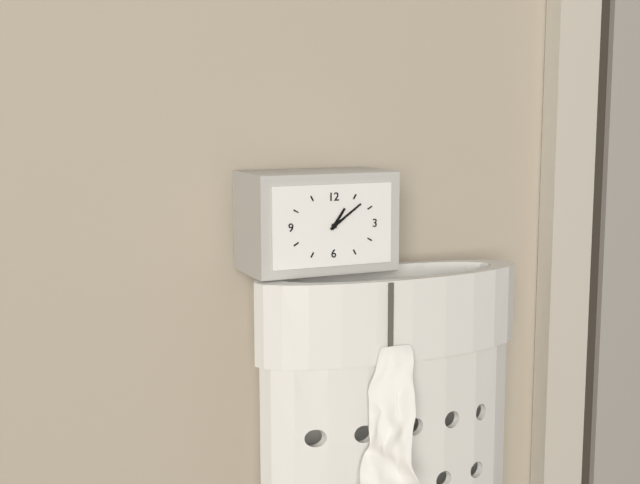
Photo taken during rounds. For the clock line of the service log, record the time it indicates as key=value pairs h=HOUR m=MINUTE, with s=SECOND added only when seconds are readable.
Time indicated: h=1 m=9
